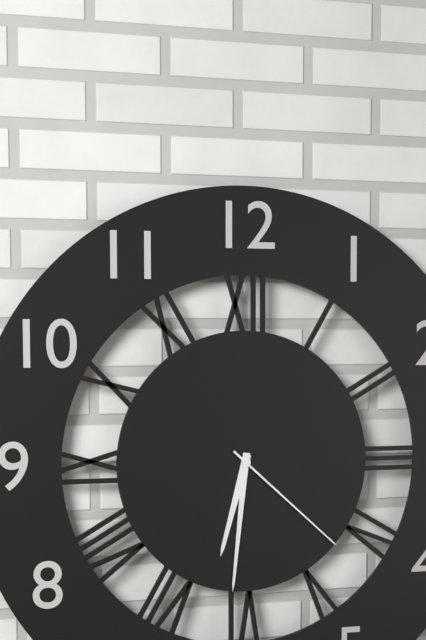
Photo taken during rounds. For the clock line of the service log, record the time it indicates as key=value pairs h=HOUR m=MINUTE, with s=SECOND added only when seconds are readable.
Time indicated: h=6 m=31 s=22
